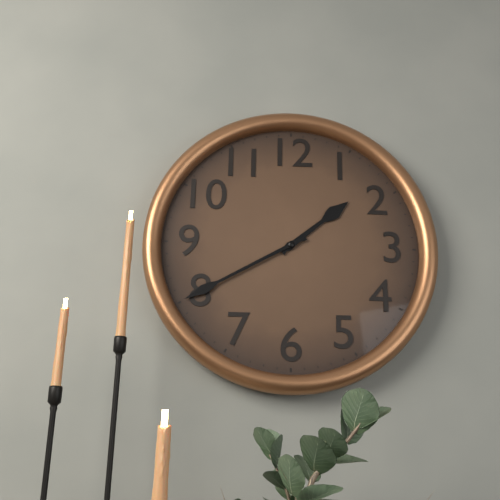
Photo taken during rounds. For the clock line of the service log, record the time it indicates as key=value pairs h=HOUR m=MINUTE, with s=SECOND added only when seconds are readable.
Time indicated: h=1 m=40
